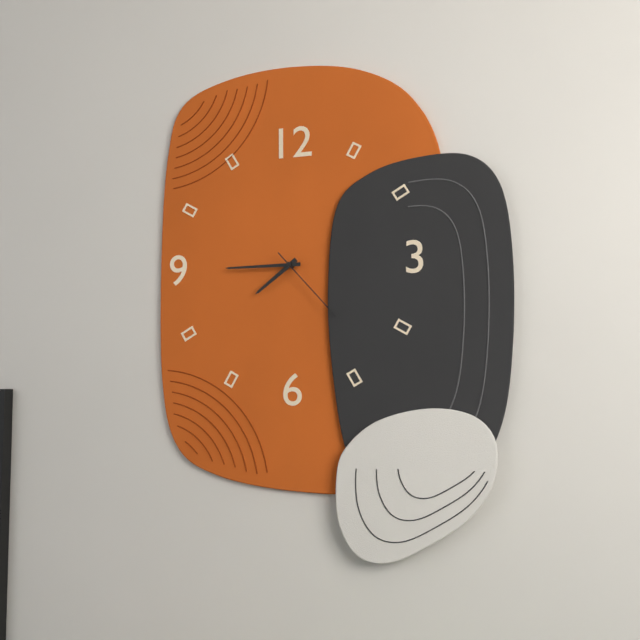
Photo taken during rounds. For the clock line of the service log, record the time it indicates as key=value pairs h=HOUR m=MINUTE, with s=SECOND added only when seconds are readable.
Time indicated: h=7 m=45 s=23
